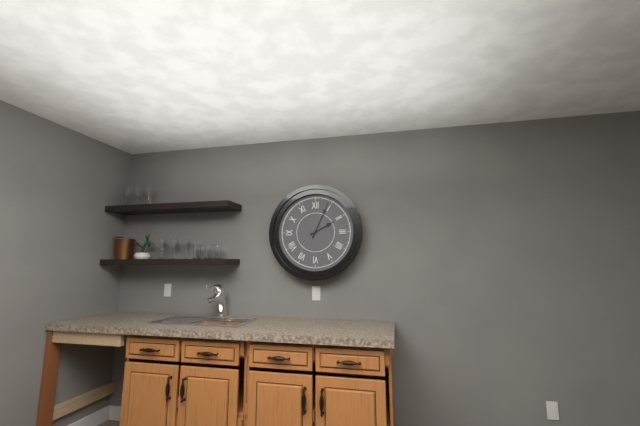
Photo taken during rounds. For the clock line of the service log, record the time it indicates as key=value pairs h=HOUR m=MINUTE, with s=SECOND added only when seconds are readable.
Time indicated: h=2 m=4
